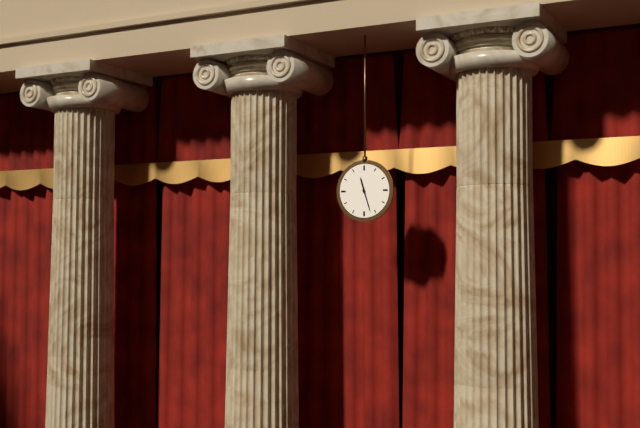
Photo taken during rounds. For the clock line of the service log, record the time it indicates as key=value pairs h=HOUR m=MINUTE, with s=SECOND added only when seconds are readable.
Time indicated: h=11 m=27
